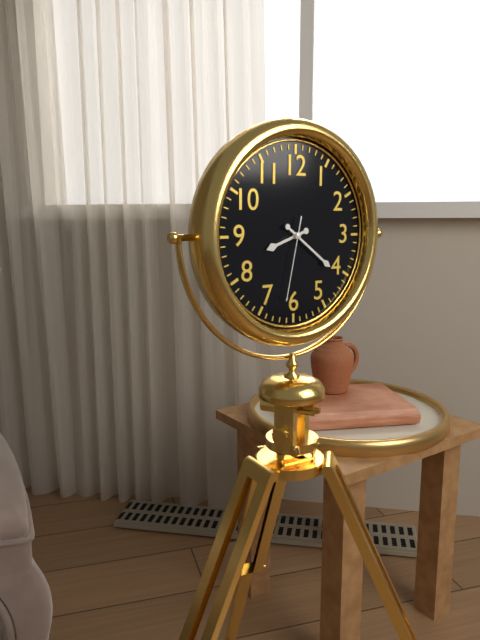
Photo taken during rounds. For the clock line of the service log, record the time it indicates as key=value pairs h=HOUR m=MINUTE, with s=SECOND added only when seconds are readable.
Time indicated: h=8 m=21 s=32
